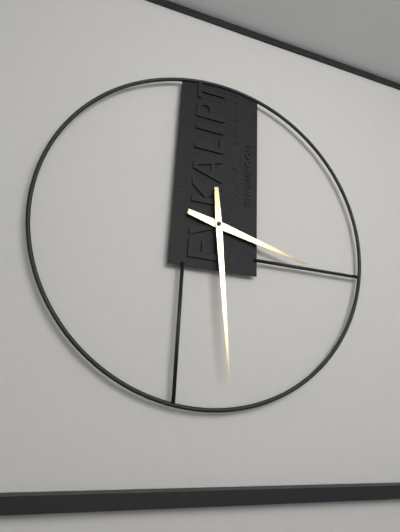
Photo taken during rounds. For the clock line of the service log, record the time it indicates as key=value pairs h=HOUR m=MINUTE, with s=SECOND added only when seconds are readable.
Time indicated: h=3 m=29
